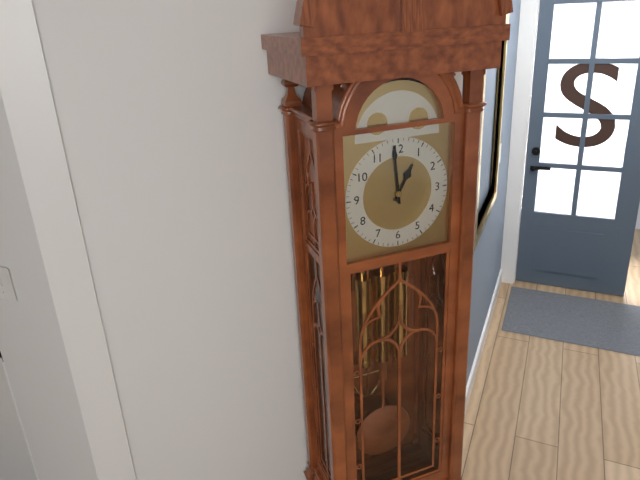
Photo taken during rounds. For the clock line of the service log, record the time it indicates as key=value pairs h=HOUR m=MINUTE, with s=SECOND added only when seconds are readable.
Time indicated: h=12 m=59
